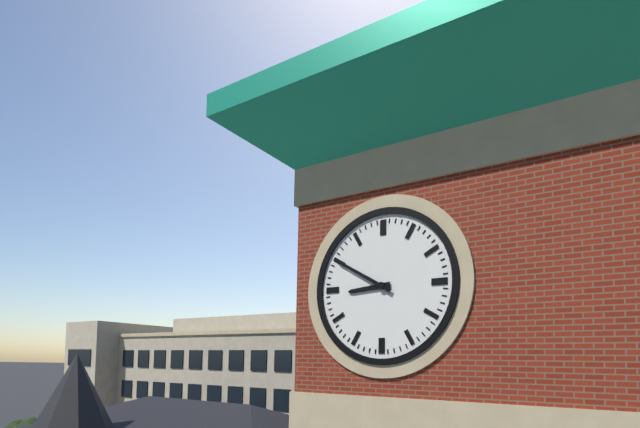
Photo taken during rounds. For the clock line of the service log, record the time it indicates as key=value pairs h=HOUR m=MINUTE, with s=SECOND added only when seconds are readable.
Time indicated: h=8 m=50
